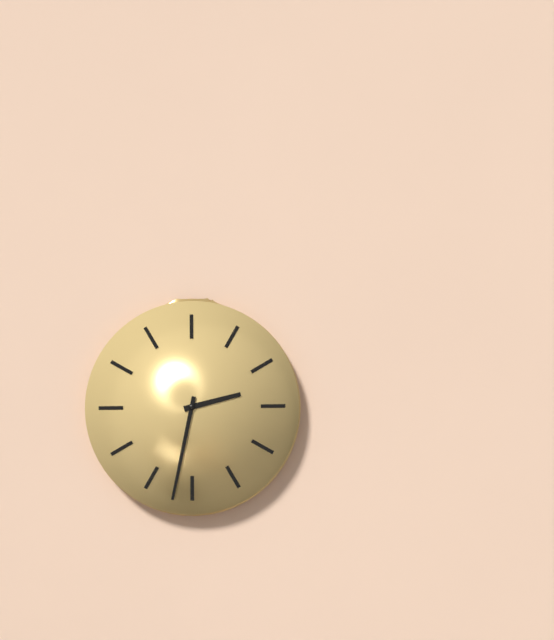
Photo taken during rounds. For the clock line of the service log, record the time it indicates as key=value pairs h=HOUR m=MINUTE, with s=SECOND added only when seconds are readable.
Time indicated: h=2 m=32
